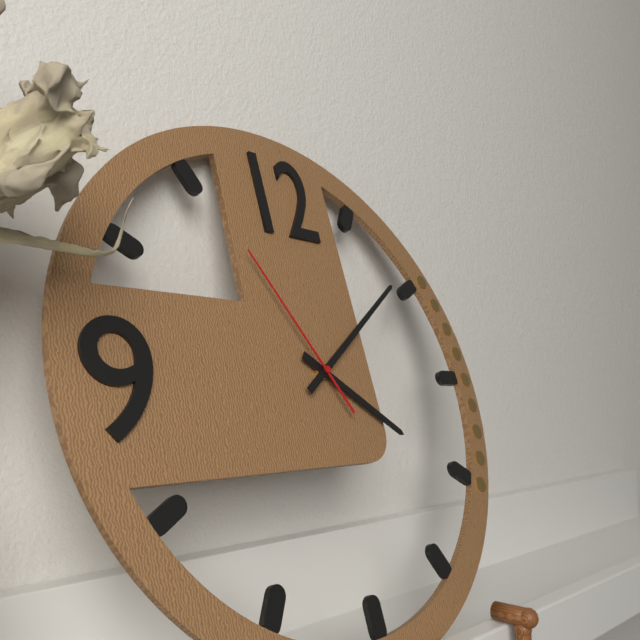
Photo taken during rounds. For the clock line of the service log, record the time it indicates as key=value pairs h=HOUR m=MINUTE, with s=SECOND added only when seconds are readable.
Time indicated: h=4 m=9 s=55
